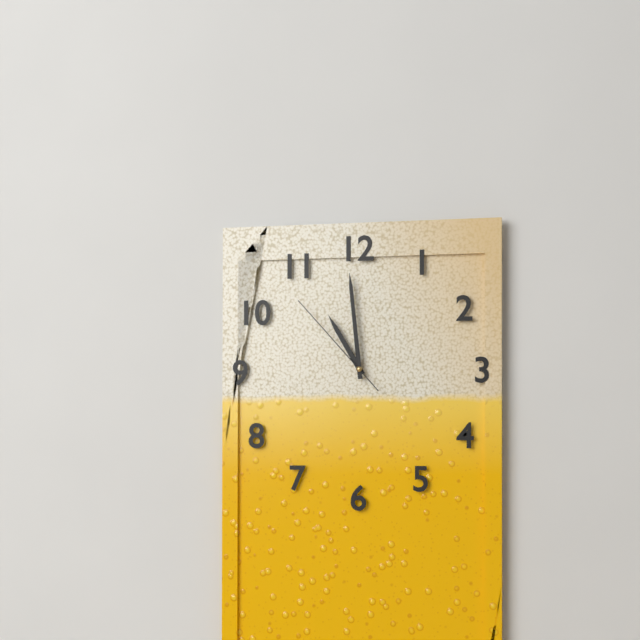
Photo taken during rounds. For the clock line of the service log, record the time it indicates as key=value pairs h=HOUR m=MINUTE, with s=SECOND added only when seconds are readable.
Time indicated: h=10 m=59 s=53
